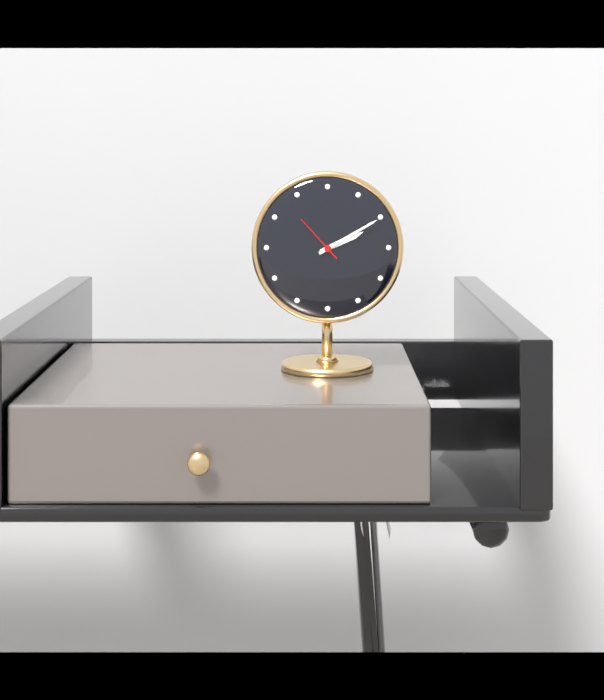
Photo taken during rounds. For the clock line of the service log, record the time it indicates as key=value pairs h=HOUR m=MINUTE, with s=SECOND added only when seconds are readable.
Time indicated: h=2 m=10
